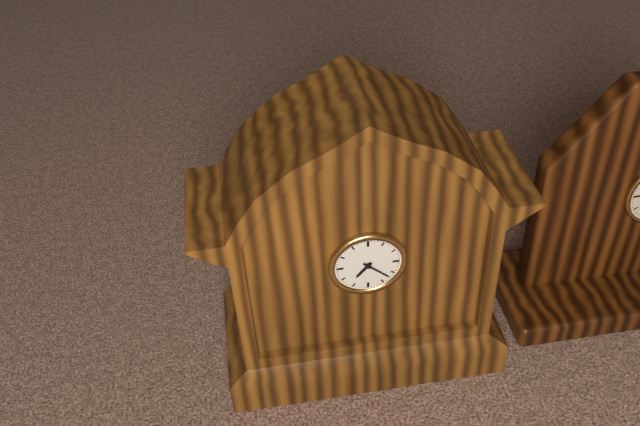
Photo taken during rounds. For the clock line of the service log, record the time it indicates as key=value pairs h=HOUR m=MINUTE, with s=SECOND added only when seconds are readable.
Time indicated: h=7 m=22
